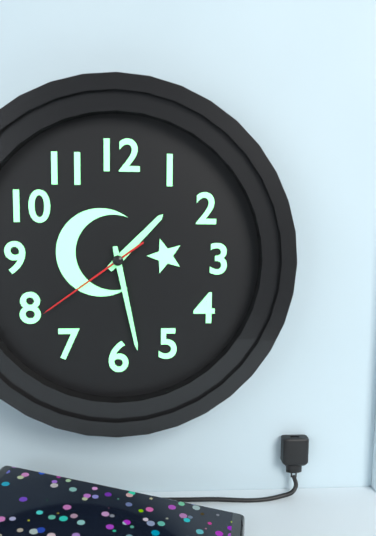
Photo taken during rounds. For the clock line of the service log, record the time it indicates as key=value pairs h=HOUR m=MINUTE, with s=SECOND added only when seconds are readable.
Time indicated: h=1 m=28 s=39
